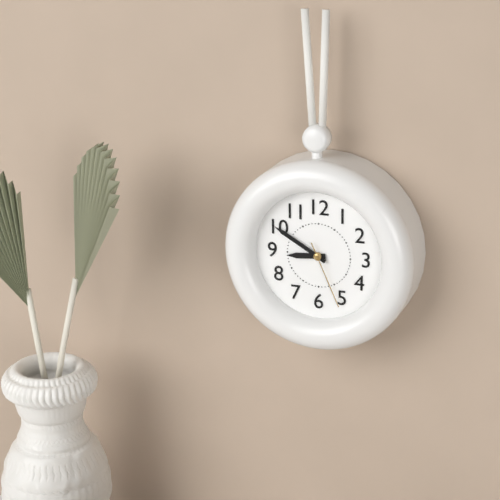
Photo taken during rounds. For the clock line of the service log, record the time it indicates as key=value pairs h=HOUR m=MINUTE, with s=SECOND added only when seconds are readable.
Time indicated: h=8 m=50 s=26
